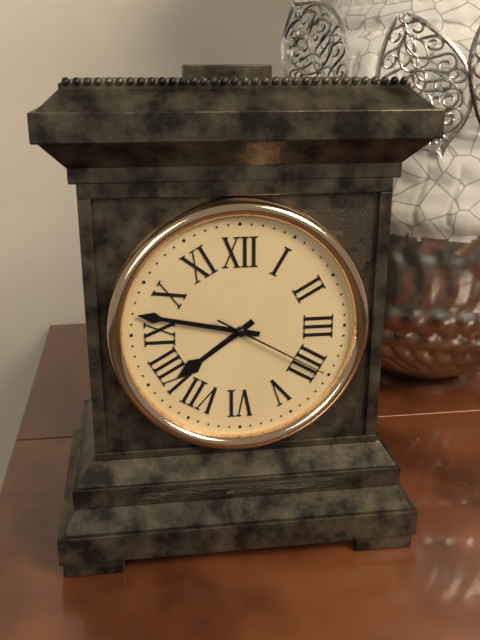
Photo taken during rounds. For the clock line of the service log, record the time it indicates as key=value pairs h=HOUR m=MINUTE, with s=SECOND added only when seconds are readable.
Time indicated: h=7 m=47 s=20
